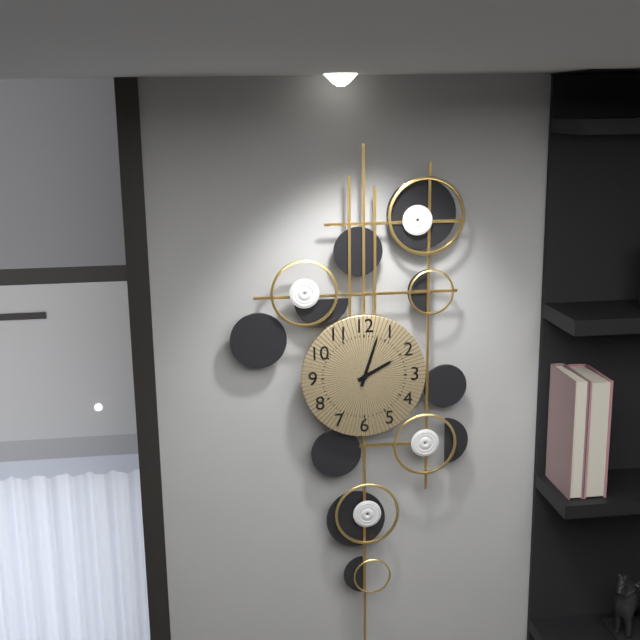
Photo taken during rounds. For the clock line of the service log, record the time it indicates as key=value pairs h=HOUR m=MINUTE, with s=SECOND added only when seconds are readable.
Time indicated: h=2 m=3
